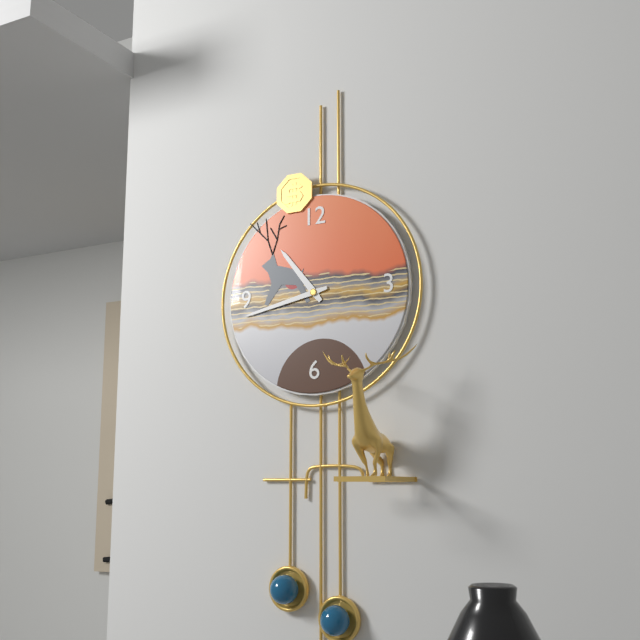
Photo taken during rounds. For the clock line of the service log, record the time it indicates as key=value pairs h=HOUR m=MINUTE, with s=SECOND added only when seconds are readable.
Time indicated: h=10 m=43
